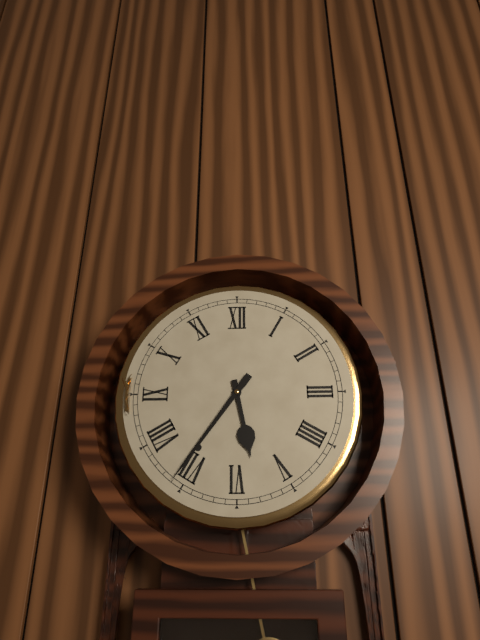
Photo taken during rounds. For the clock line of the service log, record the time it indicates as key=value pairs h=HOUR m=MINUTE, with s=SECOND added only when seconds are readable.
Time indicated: h=5 m=36
